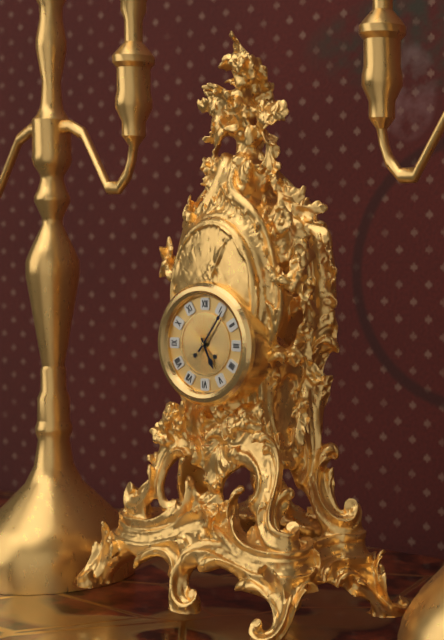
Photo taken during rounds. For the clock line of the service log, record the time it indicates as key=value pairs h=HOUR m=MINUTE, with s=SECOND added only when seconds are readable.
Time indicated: h=5 m=6
